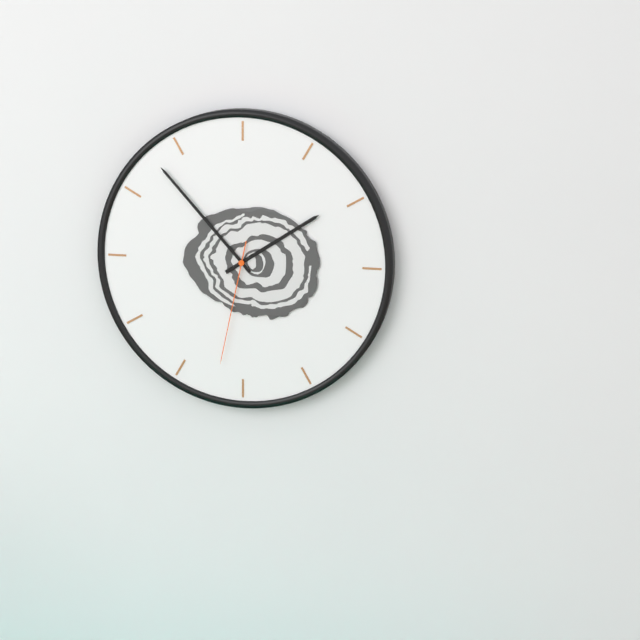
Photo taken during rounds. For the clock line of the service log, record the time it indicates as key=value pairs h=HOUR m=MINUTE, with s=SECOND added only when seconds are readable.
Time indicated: h=1 m=53 s=32
